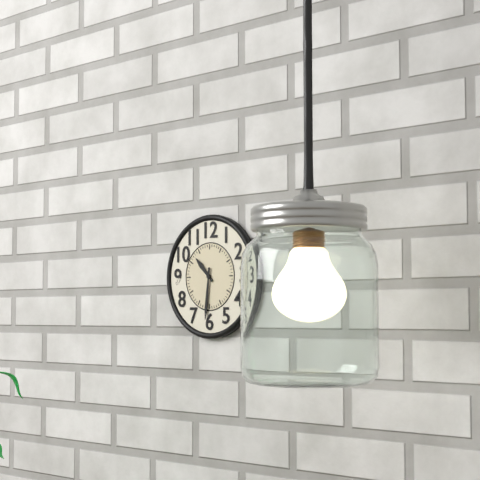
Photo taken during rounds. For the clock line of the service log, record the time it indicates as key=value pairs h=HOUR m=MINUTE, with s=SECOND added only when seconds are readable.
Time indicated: h=10 m=31
